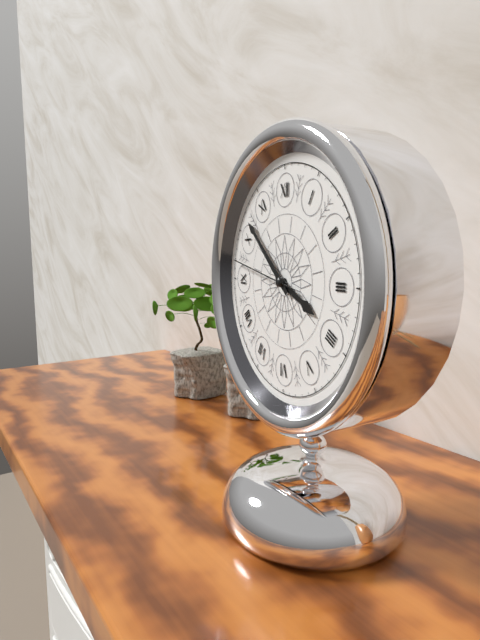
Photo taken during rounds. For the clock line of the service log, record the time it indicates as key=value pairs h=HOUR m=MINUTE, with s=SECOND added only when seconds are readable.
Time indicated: h=3 m=52 s=47
